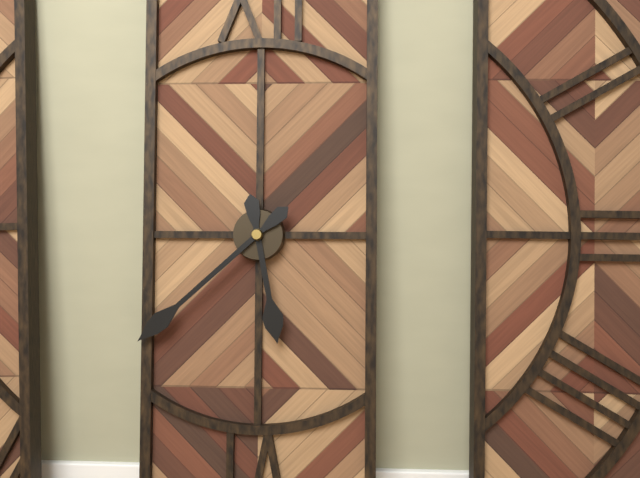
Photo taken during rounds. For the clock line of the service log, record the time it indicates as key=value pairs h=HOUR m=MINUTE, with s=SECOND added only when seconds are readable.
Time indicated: h=5 m=38
